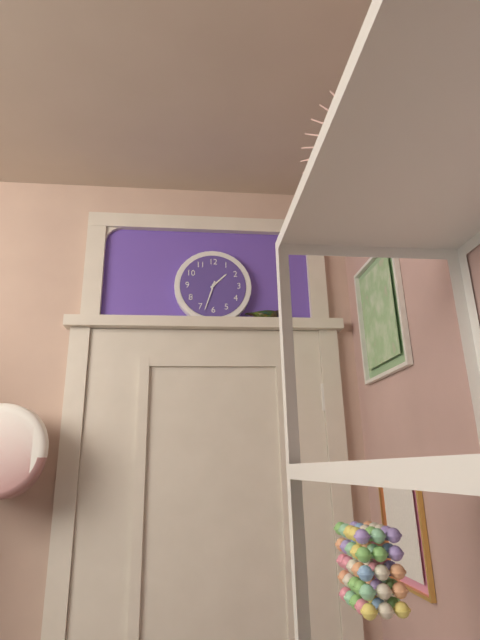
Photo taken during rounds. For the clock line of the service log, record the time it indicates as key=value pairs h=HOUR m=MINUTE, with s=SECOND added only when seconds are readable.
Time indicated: h=1 m=33
